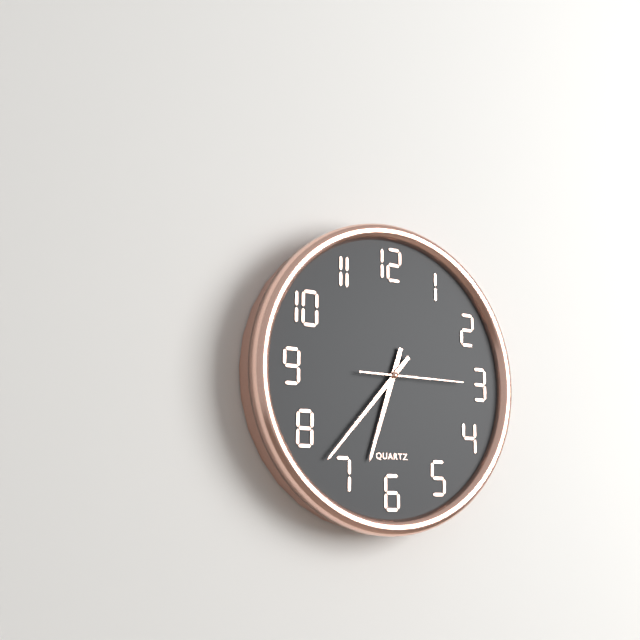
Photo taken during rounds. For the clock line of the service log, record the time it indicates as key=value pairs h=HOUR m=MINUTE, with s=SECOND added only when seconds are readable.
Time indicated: h=6 m=37 s=15
